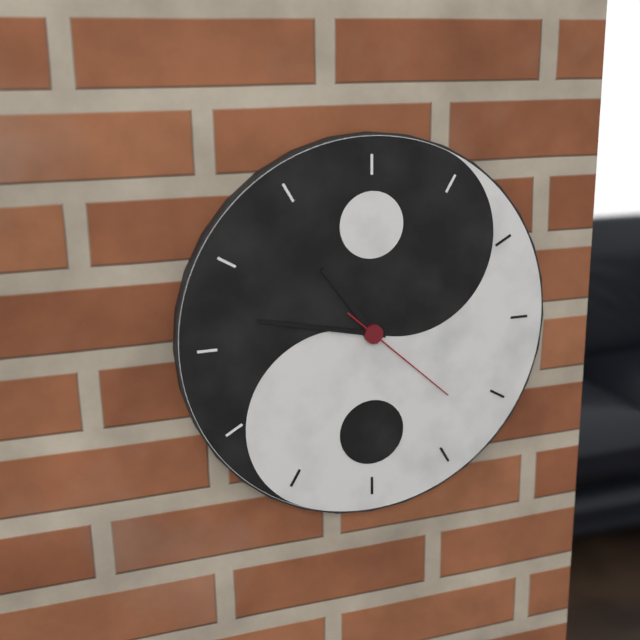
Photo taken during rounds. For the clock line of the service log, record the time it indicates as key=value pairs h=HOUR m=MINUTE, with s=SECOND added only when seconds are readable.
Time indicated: h=10 m=47 s=22
